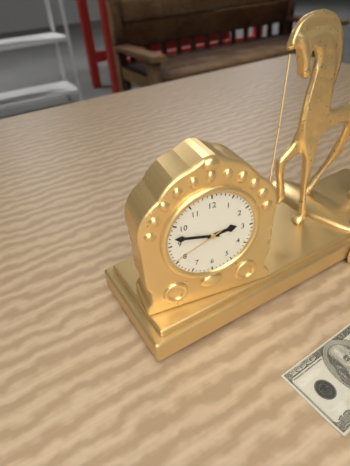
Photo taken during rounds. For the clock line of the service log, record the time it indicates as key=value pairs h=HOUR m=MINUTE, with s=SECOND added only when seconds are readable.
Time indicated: h=2 m=47 s=41
